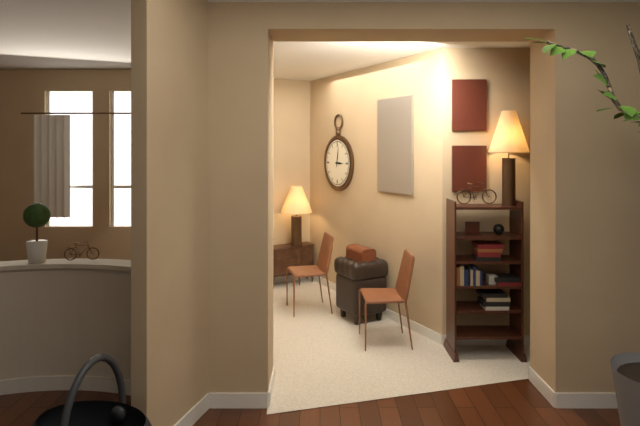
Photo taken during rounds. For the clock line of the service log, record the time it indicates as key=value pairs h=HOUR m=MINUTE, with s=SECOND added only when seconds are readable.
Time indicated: h=3 m=2
